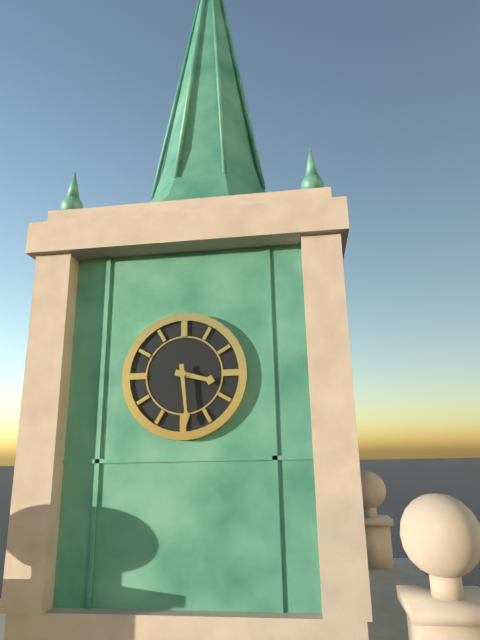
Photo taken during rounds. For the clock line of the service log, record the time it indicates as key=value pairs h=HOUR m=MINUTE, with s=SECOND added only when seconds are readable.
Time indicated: h=3 m=29
